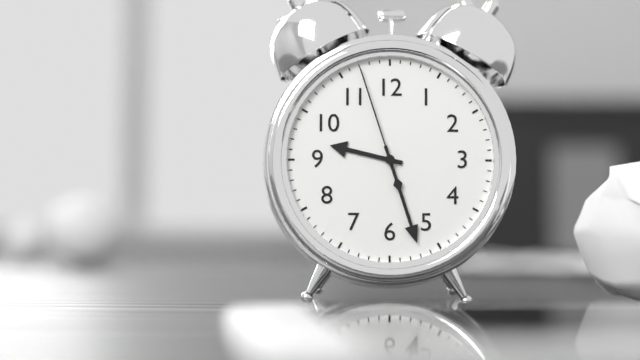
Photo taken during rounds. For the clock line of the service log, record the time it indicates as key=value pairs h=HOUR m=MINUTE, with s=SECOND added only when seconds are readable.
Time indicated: h=9 m=27 s=57
